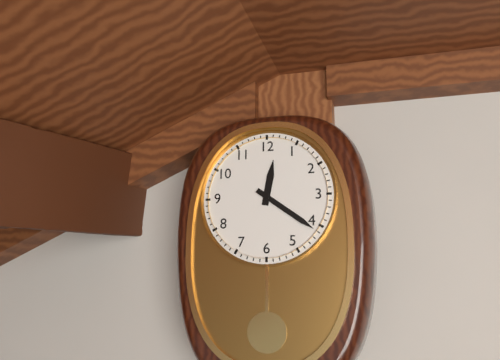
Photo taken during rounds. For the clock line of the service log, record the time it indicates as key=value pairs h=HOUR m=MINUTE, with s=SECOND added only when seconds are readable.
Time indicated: h=12 m=21
